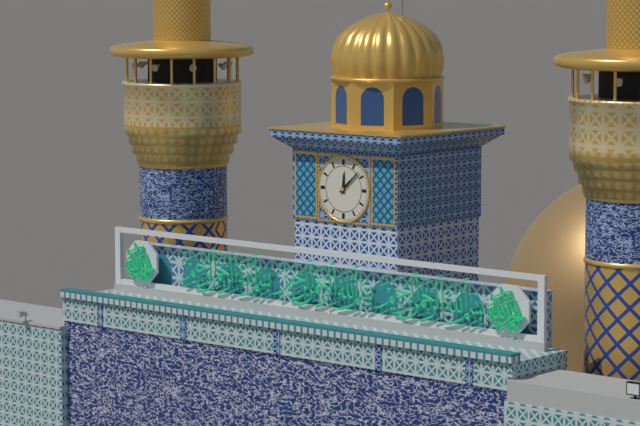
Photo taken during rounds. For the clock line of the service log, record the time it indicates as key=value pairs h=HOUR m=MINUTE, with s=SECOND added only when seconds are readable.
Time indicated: h=12 m=8
